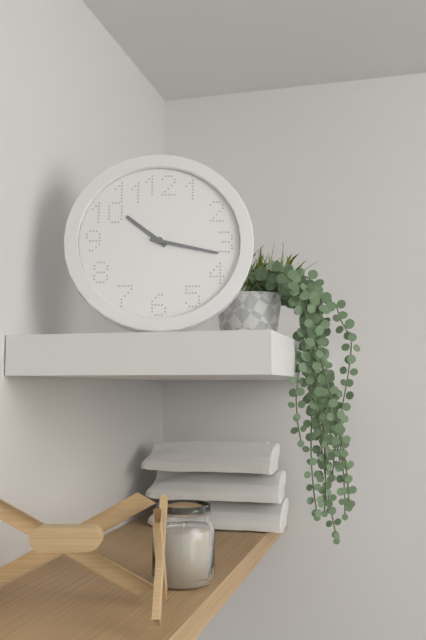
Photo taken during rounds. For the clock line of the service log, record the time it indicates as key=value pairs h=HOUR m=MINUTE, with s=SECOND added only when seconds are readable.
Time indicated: h=10 m=17
